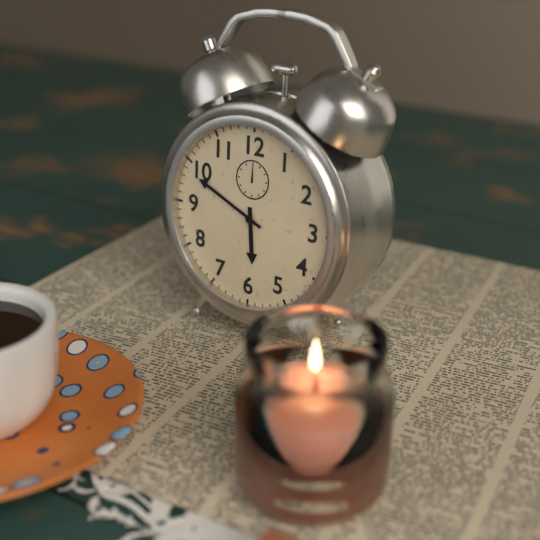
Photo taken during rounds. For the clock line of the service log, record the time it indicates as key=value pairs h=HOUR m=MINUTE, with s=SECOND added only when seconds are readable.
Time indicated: h=5 m=49
